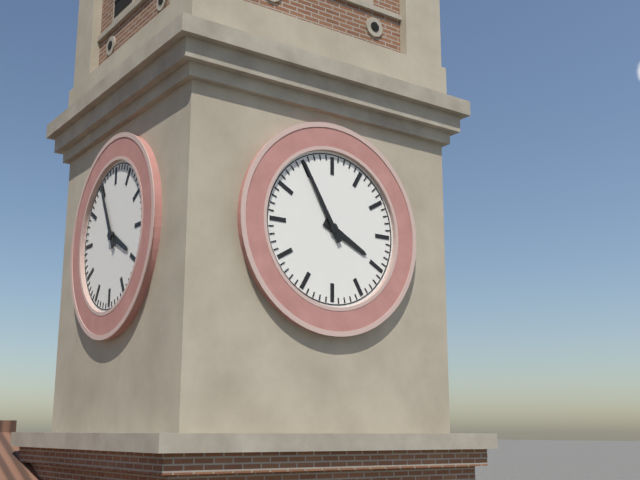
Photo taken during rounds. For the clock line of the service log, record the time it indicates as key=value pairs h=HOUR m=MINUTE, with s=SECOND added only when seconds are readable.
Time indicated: h=3 m=55
